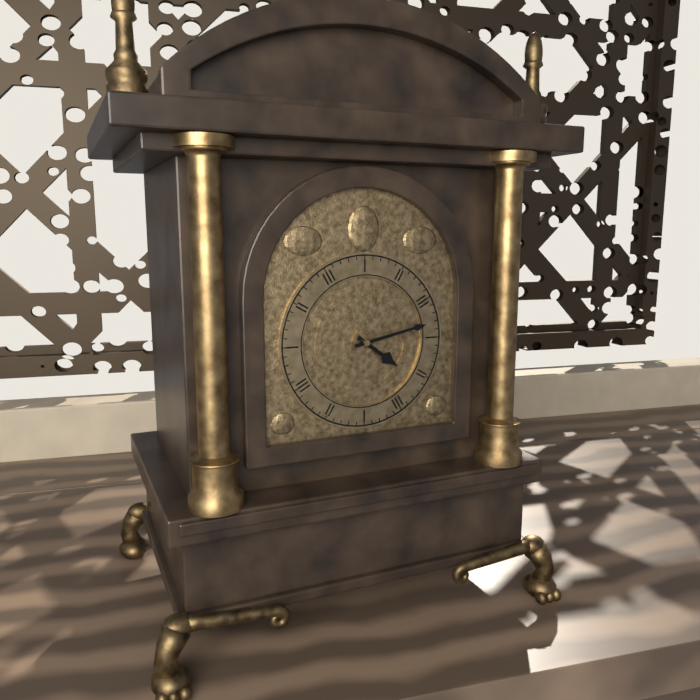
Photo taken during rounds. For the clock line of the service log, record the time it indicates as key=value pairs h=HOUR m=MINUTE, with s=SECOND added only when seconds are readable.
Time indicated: h=4 m=13
